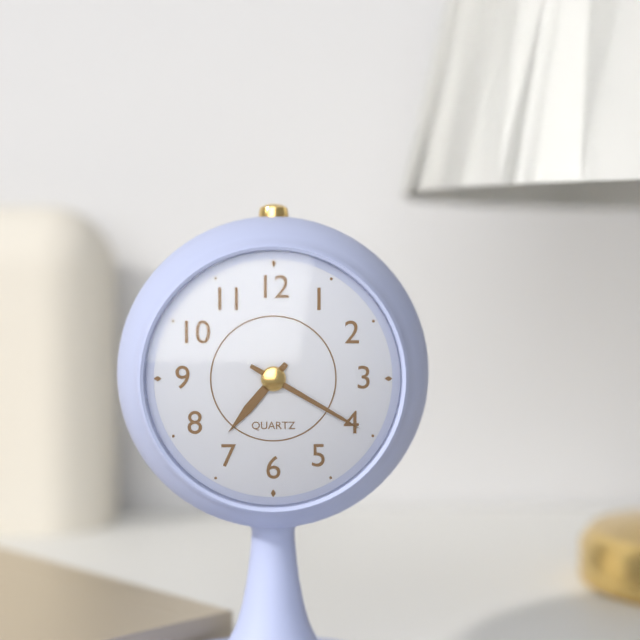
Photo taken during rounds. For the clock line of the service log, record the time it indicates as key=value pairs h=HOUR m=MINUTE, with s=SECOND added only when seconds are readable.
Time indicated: h=7 m=20
